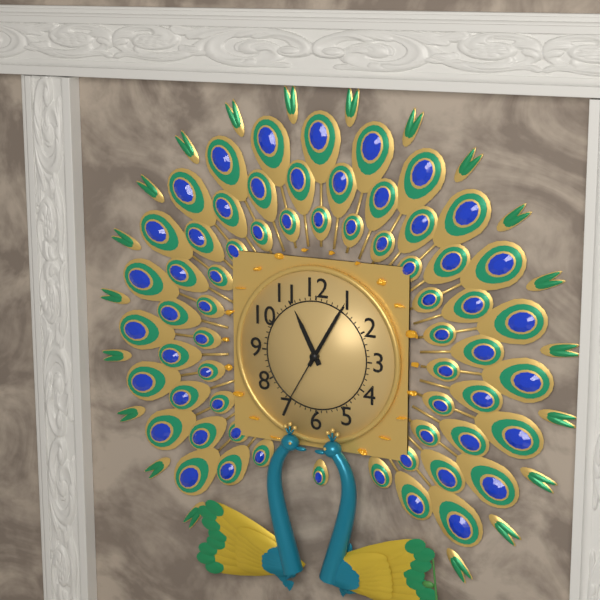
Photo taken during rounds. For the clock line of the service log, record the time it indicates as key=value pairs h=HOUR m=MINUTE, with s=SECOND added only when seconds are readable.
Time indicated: h=11 m=5 s=35
